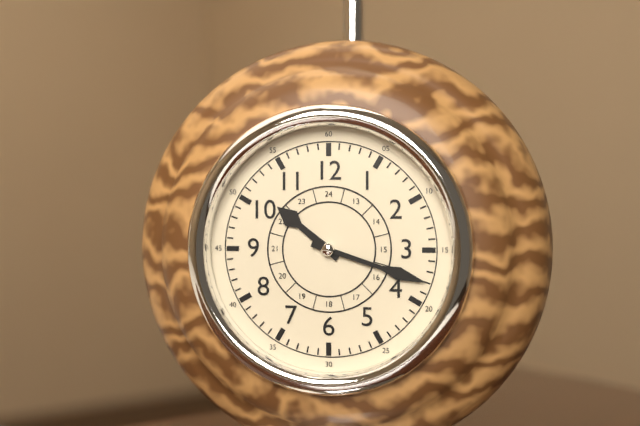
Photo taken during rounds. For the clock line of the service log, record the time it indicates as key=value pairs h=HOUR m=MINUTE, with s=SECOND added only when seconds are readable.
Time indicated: h=10 m=18
